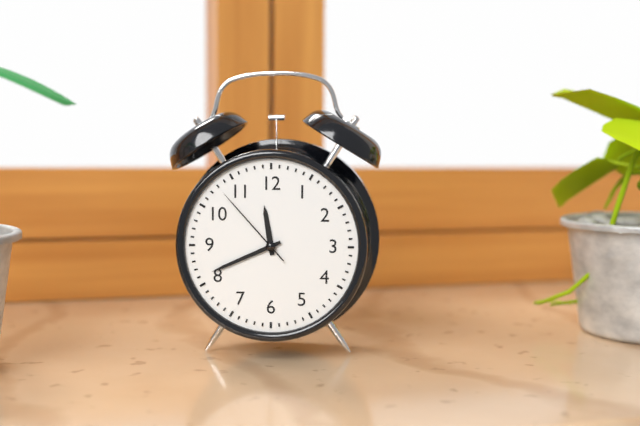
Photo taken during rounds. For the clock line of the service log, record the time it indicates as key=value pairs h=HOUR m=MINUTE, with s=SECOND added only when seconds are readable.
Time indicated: h=11 m=41 s=53
